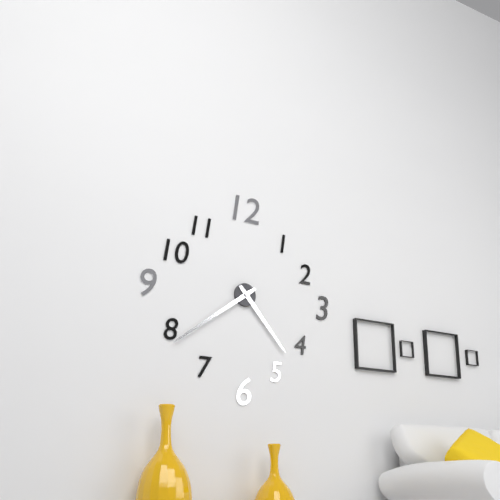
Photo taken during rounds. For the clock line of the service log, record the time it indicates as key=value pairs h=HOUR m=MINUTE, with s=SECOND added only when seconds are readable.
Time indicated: h=4 m=39
